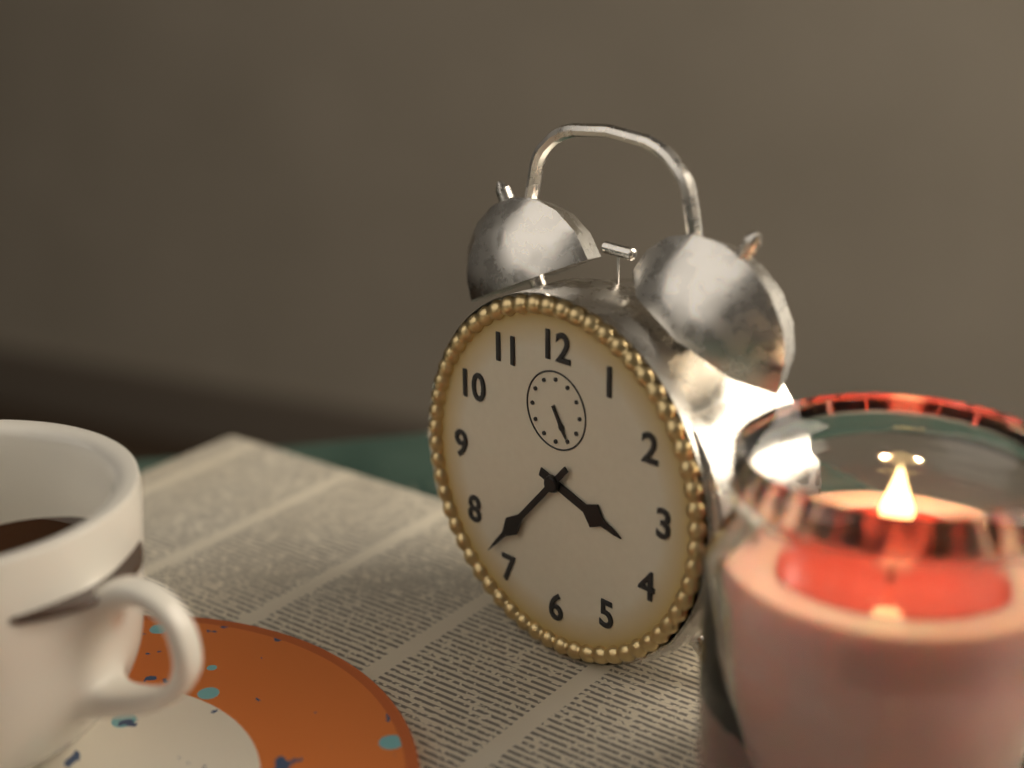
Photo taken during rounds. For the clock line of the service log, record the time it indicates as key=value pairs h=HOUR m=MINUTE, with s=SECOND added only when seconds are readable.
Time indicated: h=3 m=37
